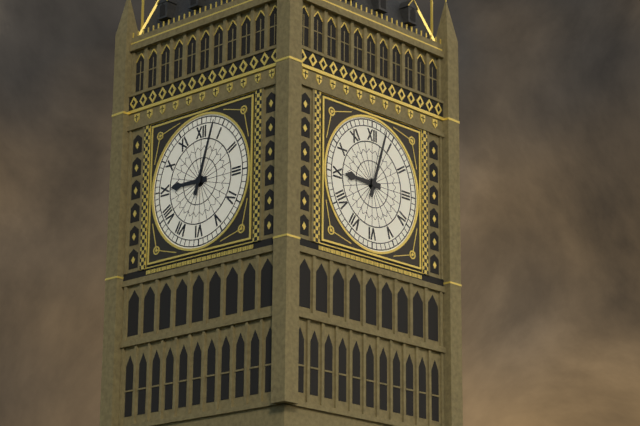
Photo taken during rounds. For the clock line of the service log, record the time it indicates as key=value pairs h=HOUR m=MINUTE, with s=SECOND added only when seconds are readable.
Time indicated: h=9 m=3
